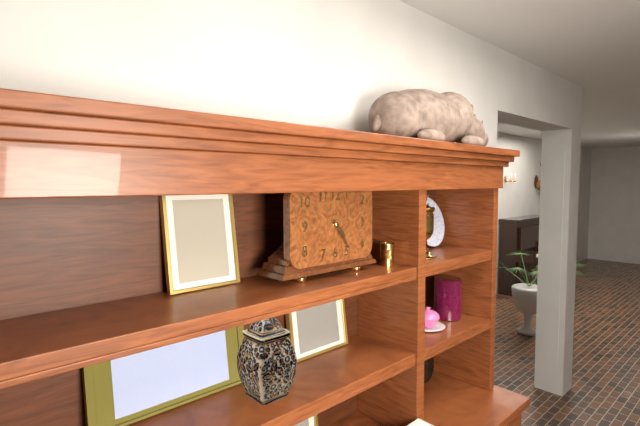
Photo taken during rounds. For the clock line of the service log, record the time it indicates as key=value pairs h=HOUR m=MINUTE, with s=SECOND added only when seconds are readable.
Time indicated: h=4 m=24
